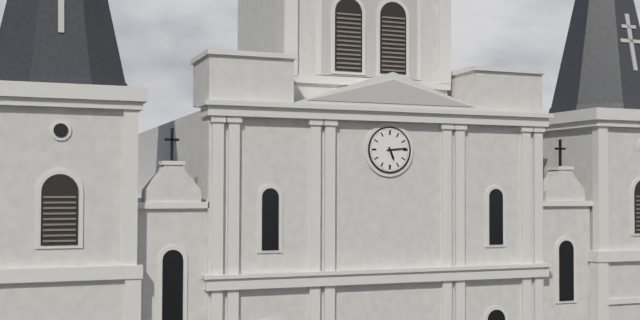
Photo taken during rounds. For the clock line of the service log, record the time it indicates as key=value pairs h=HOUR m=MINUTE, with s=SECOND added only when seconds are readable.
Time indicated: h=5 m=14
